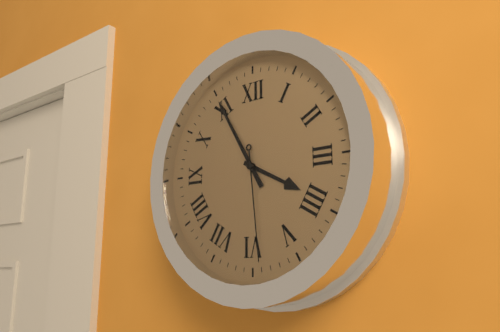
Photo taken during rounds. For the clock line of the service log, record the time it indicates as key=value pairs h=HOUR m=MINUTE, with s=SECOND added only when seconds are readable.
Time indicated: h=3 m=55 s=29
